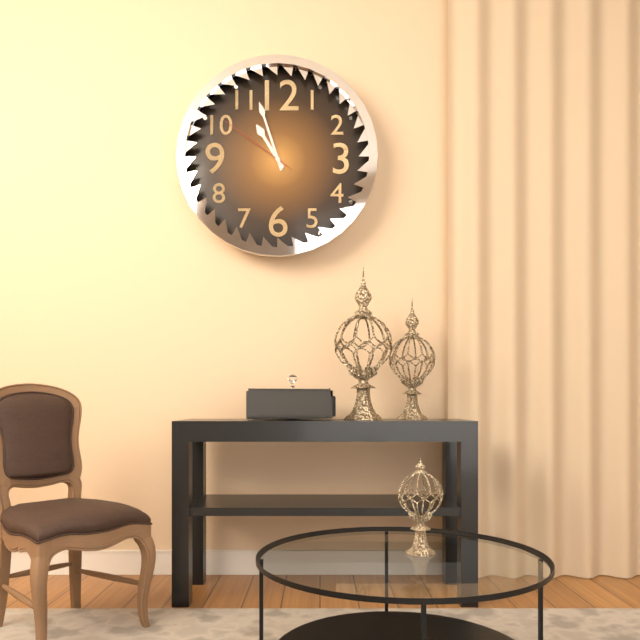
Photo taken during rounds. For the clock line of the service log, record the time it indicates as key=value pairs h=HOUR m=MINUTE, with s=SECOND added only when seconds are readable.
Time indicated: h=10 m=57 s=51
